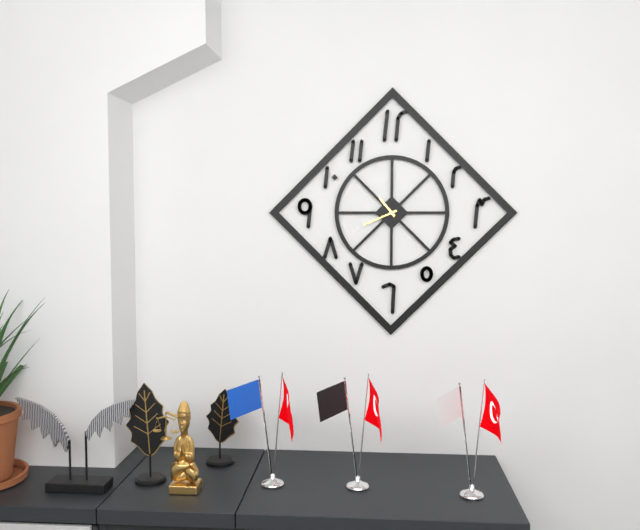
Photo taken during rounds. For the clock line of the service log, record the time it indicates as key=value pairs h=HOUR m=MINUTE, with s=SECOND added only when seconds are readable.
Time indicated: h=10 m=41
